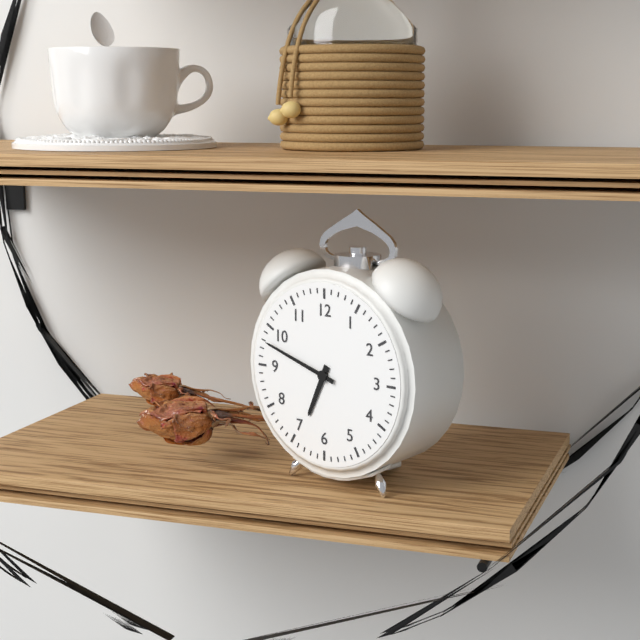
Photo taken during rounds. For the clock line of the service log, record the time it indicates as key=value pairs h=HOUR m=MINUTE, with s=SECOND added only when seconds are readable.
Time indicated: h=6 m=48
